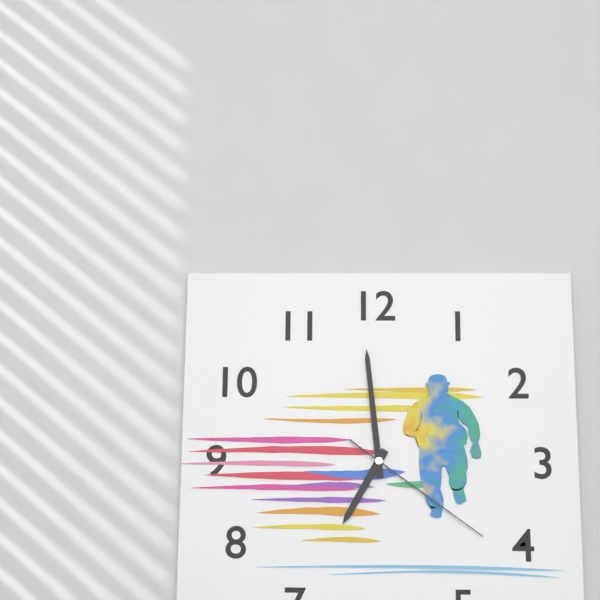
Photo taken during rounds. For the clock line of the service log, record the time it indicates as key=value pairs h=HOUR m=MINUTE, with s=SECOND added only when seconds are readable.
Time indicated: h=6 m=59 s=21
